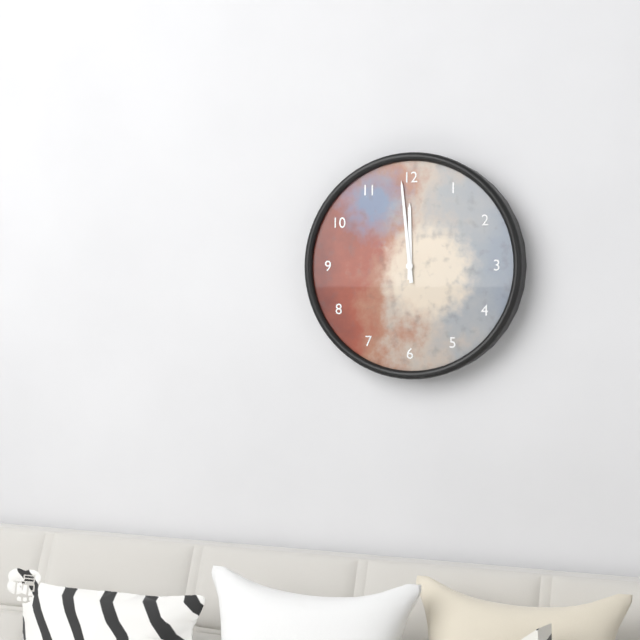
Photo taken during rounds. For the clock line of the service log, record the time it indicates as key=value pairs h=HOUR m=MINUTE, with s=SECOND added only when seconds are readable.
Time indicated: h=11 m=59
